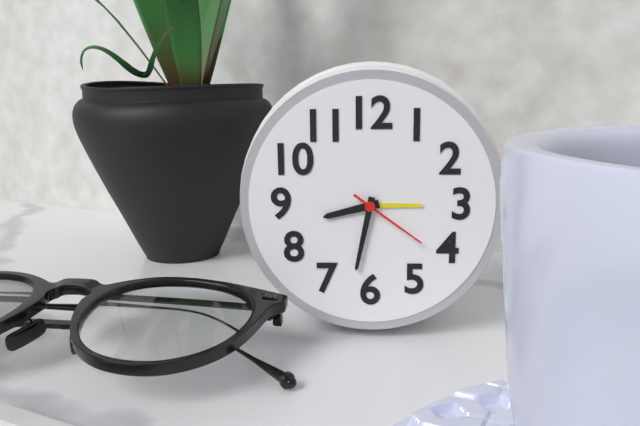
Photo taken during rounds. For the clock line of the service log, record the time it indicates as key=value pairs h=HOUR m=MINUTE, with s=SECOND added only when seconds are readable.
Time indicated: h=8 m=32 s=21
